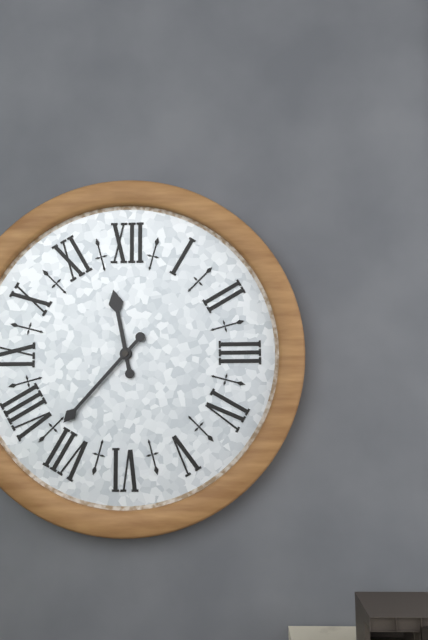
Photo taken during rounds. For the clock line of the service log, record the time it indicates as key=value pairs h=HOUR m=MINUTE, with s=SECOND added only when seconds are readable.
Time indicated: h=11 m=37
